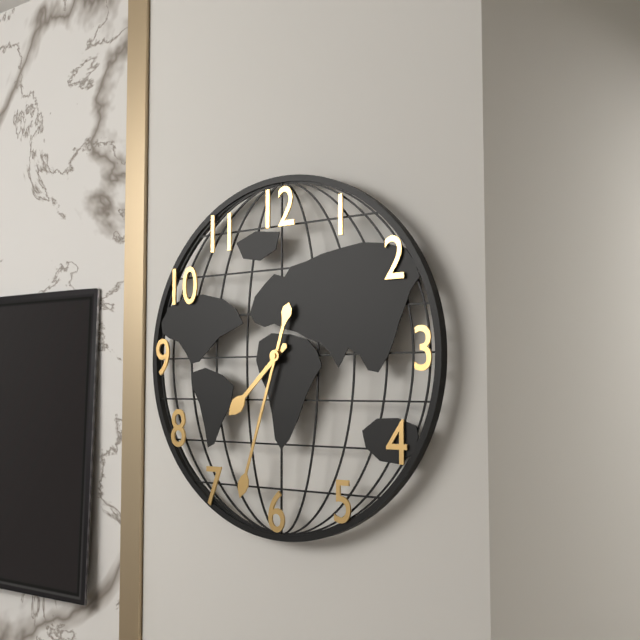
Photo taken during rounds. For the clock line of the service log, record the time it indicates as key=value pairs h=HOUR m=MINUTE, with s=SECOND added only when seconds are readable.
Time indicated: h=7 m=33
